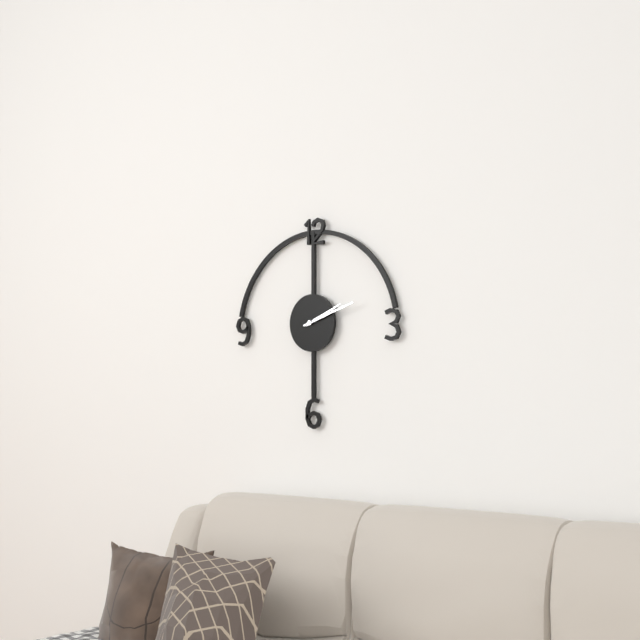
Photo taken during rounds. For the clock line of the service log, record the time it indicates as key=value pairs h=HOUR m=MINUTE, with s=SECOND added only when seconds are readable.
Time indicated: h=2 m=12
